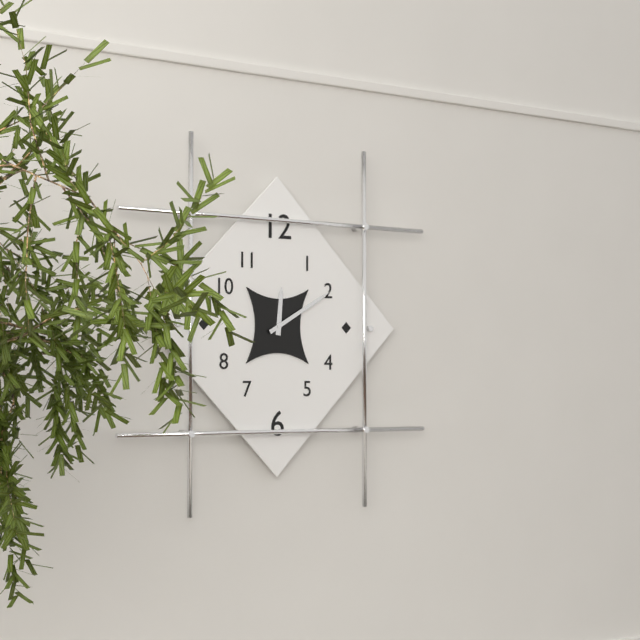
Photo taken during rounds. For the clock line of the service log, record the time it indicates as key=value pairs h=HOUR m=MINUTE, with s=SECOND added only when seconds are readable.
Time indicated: h=12 m=10
